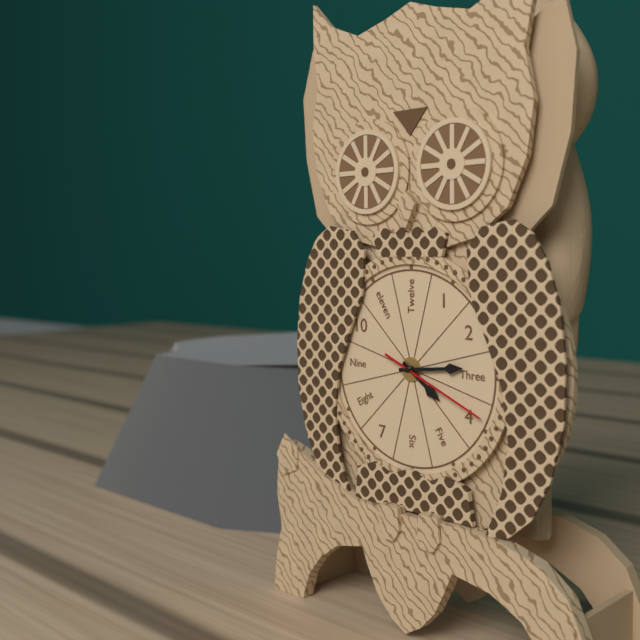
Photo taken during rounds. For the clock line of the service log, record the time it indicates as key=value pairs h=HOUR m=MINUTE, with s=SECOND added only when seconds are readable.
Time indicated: h=4 m=14 s=19
